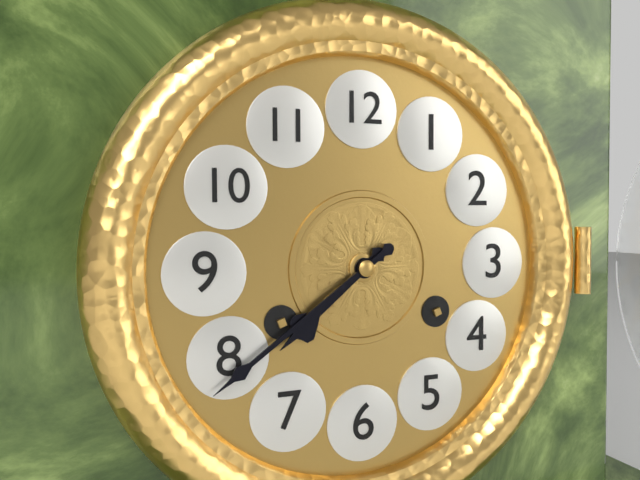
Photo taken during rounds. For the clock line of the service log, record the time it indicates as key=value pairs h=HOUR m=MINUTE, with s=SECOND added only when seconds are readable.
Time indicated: h=7 m=39
